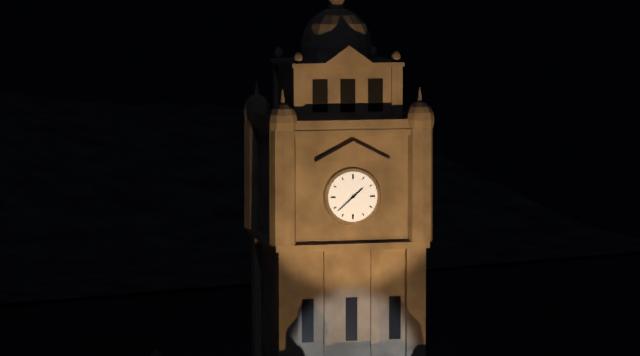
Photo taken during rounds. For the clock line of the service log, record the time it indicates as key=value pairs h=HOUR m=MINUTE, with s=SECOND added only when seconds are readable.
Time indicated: h=1 m=38
